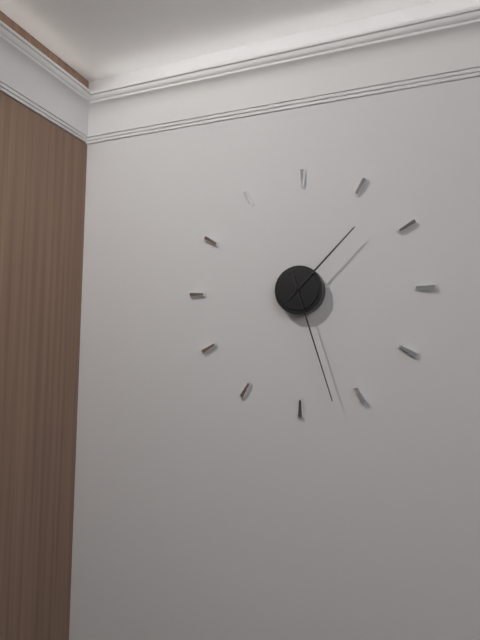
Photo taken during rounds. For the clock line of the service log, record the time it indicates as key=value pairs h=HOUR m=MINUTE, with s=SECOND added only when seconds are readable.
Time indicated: h=1 m=27
